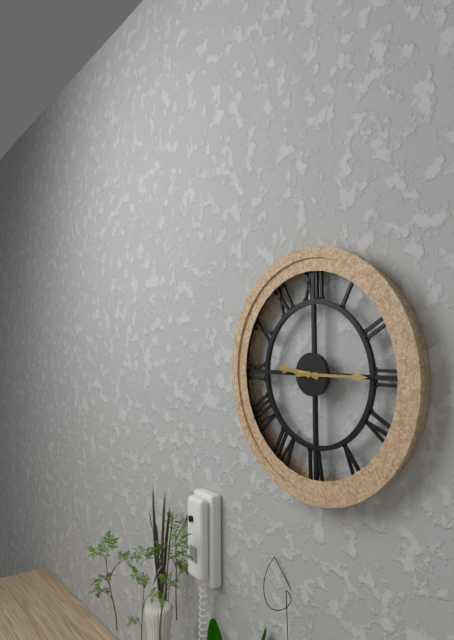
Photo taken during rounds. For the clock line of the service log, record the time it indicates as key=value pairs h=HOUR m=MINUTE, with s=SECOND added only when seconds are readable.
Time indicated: h=9 m=15
